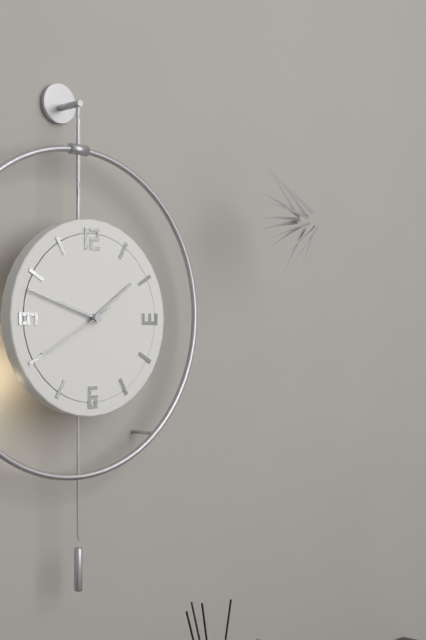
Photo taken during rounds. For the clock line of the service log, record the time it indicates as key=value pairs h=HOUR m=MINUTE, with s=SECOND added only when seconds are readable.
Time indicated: h=1 m=48 s=40
